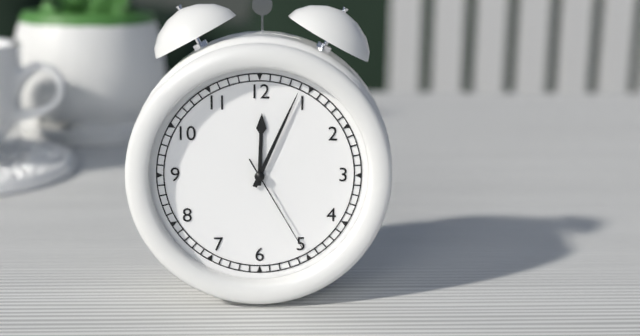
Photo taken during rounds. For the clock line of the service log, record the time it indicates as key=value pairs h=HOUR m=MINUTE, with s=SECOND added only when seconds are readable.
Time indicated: h=12 m=4 s=25
